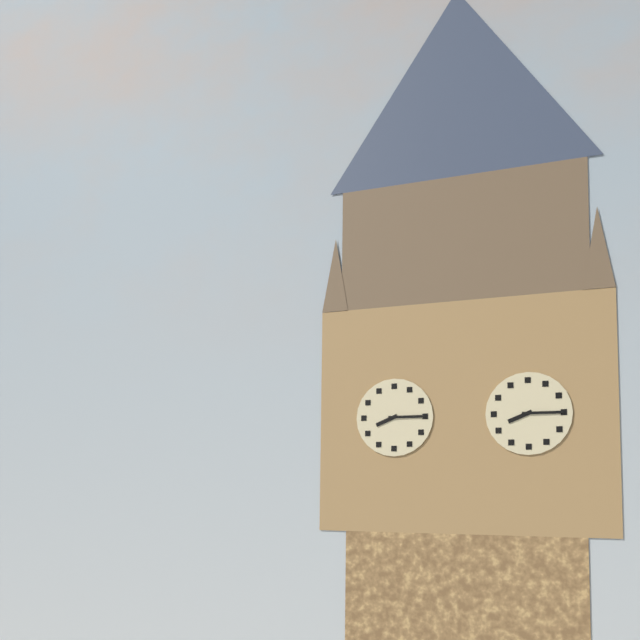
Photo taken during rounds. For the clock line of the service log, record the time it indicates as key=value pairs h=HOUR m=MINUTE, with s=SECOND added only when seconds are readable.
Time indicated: h=8 m=15
